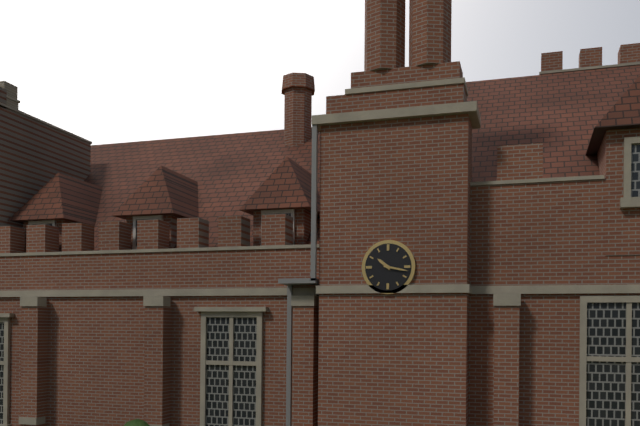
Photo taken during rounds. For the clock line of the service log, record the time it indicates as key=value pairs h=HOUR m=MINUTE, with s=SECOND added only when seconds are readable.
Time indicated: h=10 m=17
